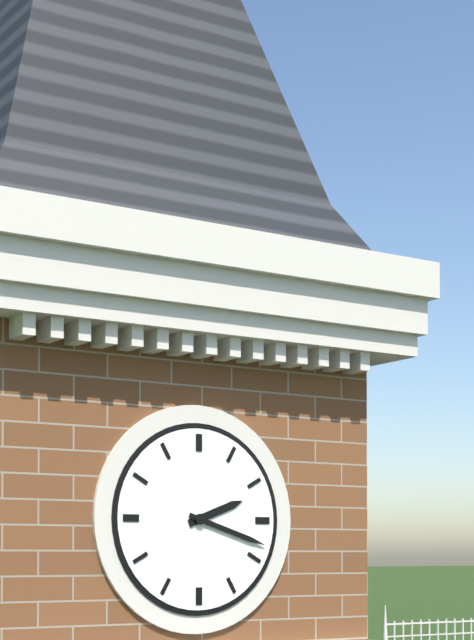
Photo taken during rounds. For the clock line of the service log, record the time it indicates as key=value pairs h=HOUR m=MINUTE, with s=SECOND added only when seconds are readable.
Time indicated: h=2 m=18
